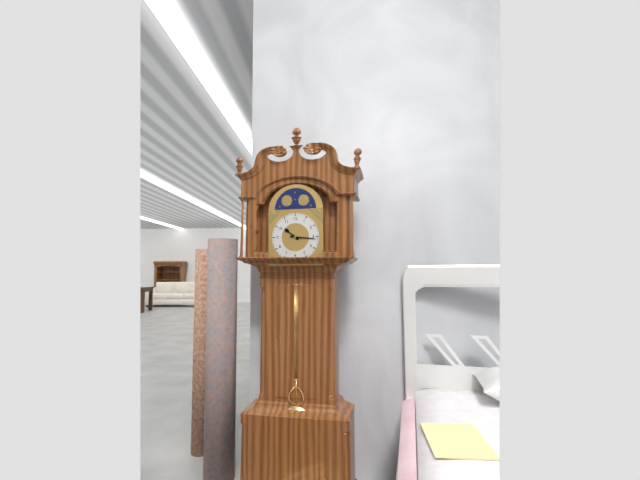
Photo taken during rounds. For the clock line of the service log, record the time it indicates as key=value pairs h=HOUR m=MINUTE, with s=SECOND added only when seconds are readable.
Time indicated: h=10 m=16
